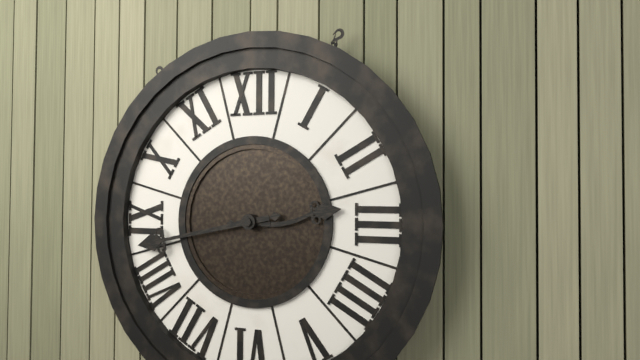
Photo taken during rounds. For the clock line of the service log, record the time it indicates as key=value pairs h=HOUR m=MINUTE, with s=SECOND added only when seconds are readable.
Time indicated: h=2 m=43
